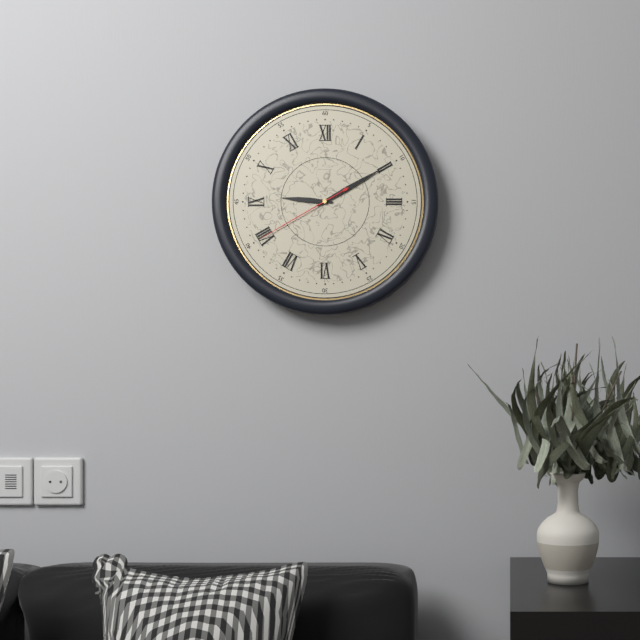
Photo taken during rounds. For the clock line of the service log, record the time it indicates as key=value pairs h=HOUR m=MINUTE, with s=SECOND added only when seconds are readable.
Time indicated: h=9 m=10 s=40
